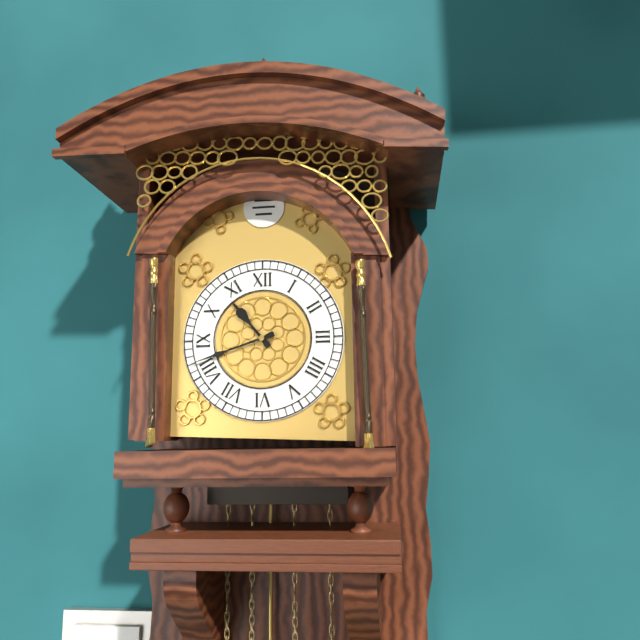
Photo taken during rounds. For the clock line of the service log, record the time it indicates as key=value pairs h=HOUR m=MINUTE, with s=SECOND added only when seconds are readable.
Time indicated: h=10 m=42
